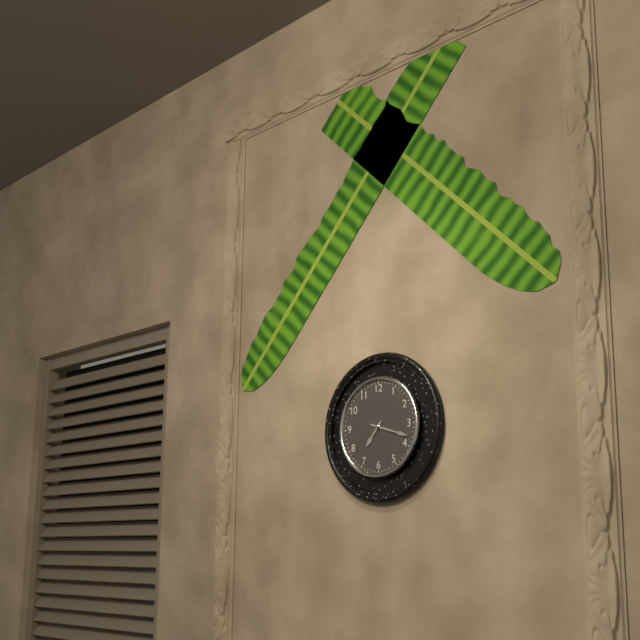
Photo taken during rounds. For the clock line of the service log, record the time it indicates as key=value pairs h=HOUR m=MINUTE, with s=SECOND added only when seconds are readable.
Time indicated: h=7 m=18
